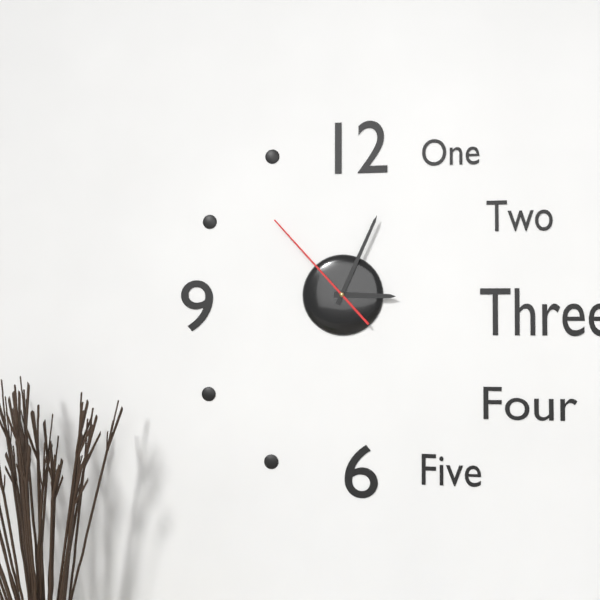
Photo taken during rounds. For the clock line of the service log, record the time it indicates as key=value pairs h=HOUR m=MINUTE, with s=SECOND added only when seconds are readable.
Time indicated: h=3 m=4 s=53
